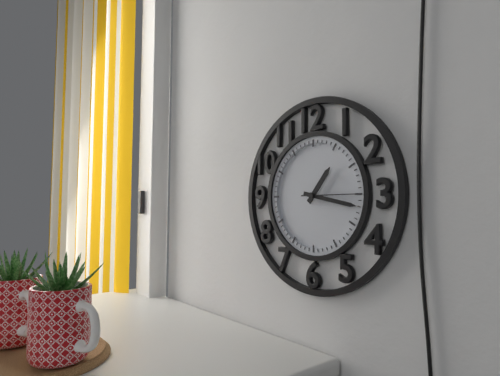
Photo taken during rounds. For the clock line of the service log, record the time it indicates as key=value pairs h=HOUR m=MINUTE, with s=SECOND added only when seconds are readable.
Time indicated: h=1 m=17 s=15
